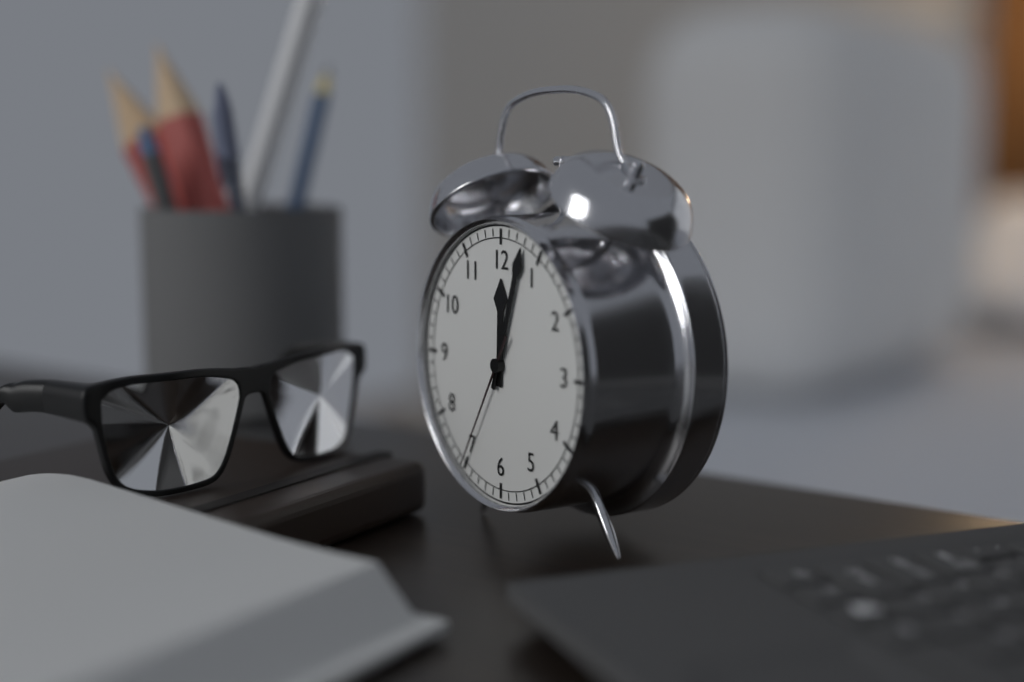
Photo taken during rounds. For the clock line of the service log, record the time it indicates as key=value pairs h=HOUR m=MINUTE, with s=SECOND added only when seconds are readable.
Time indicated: h=12 m=3 s=35
